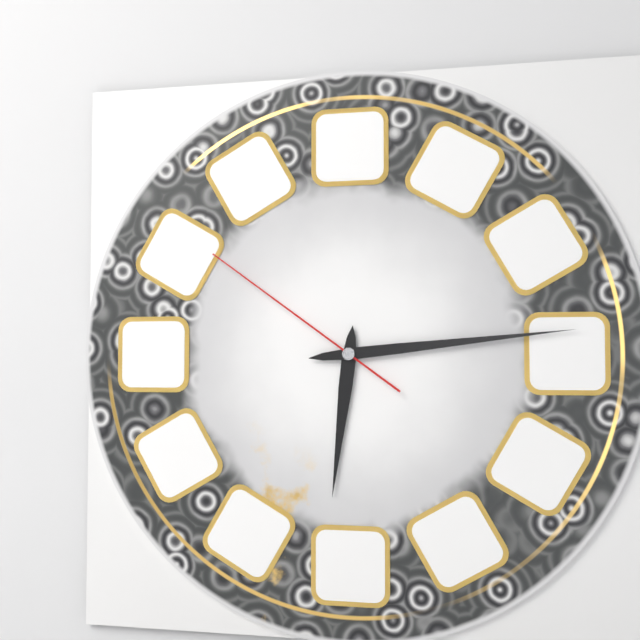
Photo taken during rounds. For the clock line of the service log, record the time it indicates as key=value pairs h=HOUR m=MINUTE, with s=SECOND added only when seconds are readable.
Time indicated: h=6 m=14 s=51
